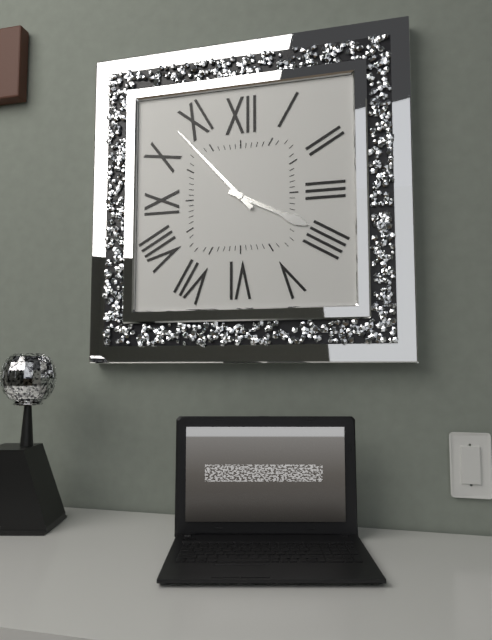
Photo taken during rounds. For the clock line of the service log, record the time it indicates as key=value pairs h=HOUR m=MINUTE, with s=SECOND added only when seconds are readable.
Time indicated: h=3 m=53
